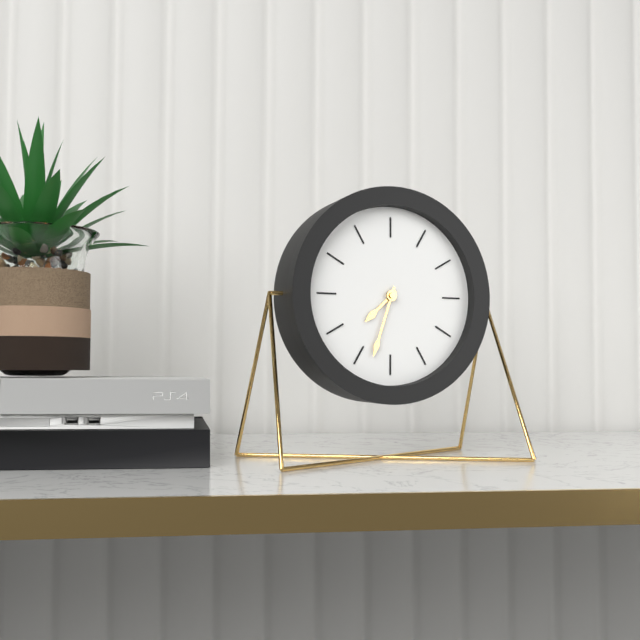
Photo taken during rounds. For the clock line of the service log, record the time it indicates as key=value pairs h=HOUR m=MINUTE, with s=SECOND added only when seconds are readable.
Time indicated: h=7 m=33
